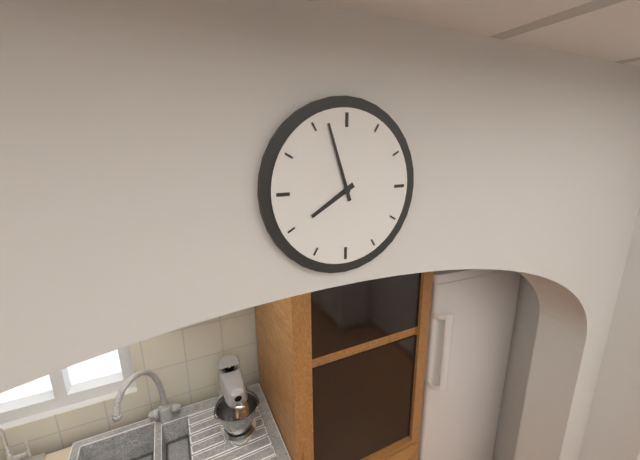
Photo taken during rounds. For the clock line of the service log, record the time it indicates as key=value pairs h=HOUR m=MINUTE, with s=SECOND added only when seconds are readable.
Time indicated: h=7 m=57
